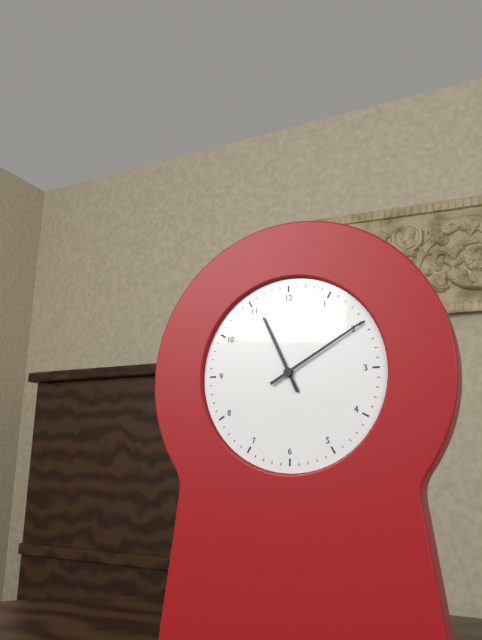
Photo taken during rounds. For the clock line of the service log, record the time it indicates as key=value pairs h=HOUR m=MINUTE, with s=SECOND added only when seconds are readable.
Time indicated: h=11 m=10
